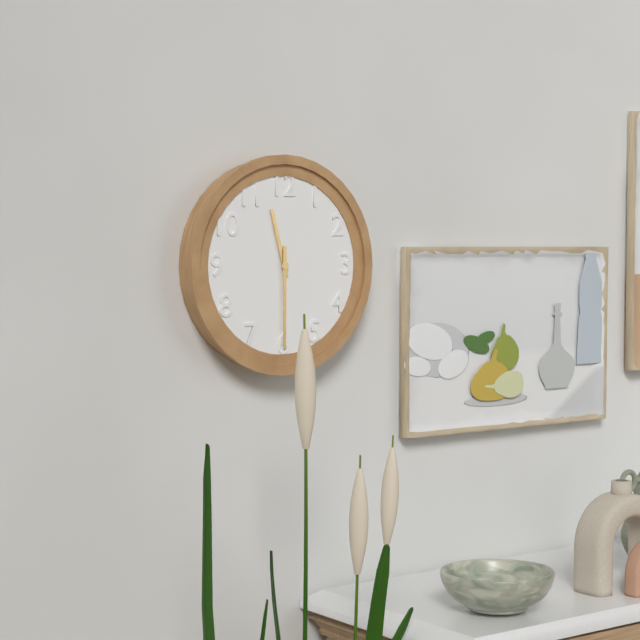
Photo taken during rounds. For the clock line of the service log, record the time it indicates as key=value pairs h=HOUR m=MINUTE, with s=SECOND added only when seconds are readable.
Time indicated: h=11 m=30
